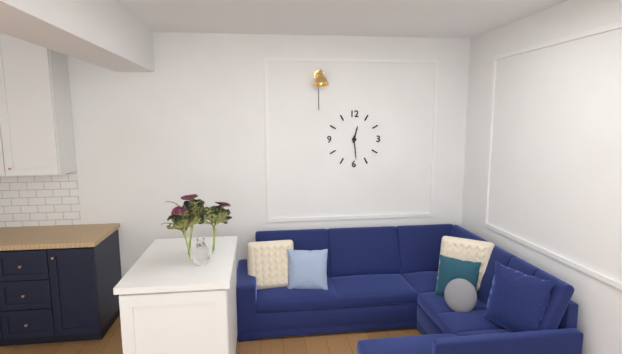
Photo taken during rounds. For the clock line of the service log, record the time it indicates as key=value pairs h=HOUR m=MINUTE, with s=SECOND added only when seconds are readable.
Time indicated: h=12 m=29
